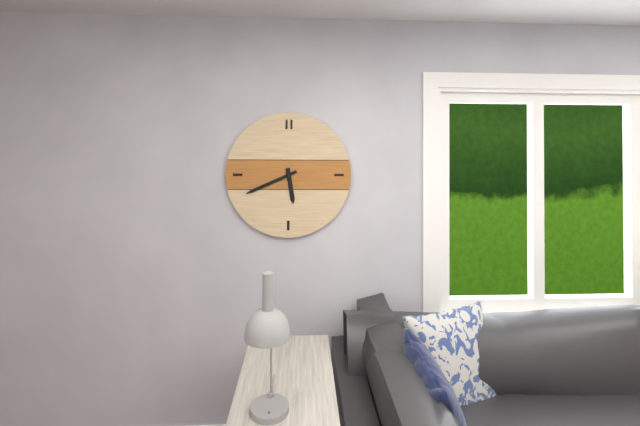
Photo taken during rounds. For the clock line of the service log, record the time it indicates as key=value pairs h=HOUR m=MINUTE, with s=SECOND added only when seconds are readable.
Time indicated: h=5 m=41
